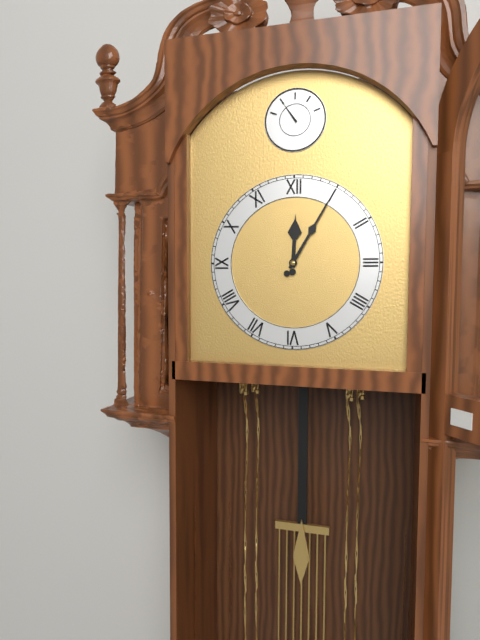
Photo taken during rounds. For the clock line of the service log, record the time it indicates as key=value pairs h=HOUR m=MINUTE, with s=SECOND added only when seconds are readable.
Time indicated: h=12 m=5
